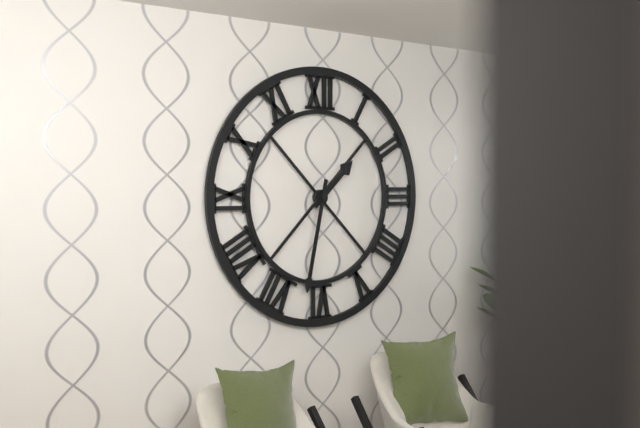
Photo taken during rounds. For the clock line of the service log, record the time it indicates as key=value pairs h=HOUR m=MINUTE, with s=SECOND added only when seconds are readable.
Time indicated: h=1 m=32
